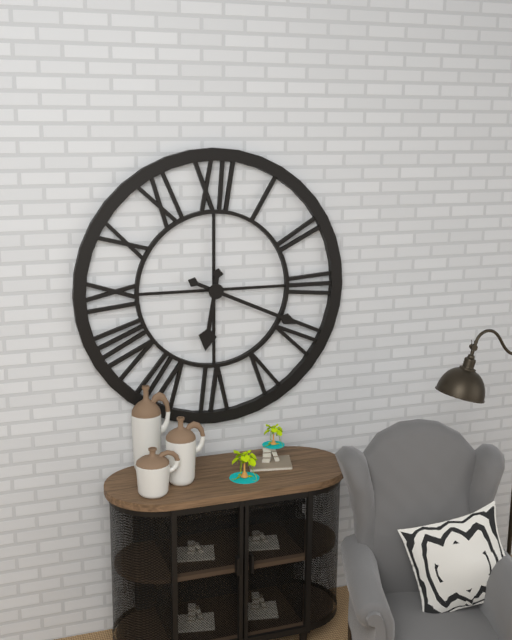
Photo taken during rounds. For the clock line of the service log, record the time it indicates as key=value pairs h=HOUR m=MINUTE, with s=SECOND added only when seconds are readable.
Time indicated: h=6 m=19
